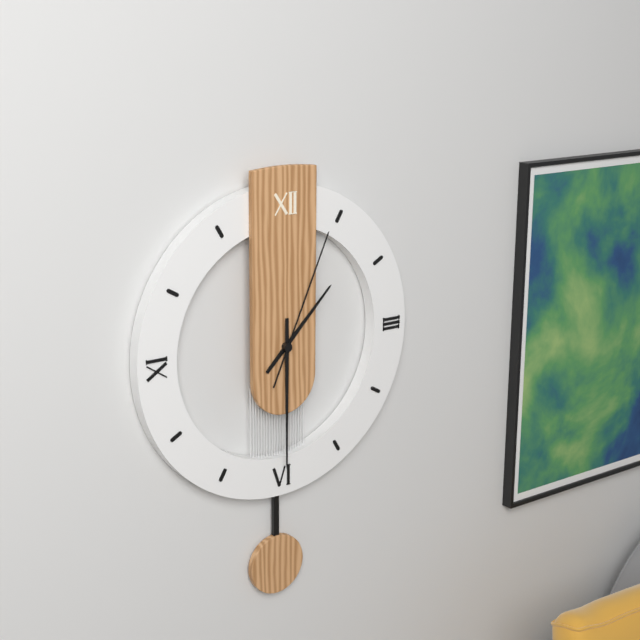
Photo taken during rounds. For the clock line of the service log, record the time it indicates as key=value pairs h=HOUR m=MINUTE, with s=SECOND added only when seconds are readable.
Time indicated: h=1 m=30 s=4
